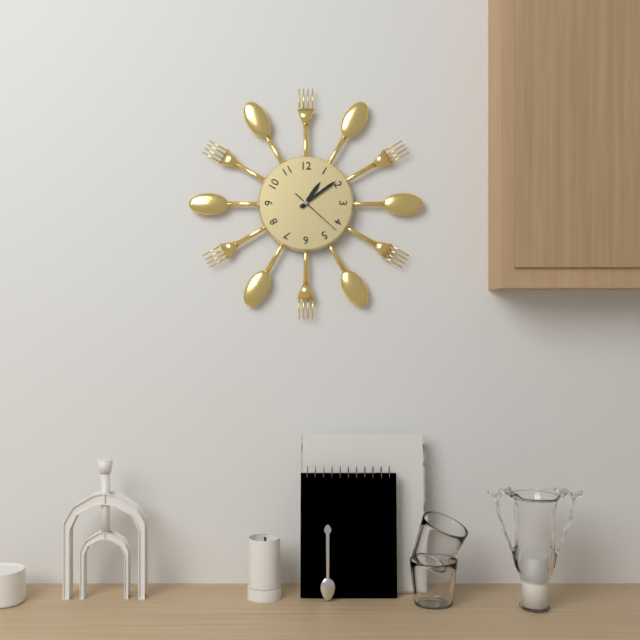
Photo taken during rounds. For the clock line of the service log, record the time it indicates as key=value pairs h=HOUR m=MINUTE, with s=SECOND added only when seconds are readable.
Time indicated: h=1 m=9 s=22
